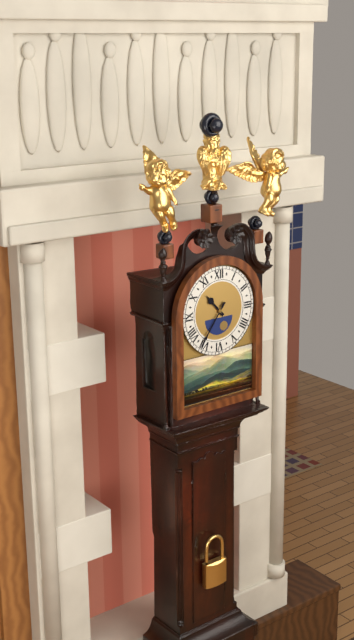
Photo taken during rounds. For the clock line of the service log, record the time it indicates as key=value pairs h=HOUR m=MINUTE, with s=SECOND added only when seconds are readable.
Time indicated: h=10 m=36
